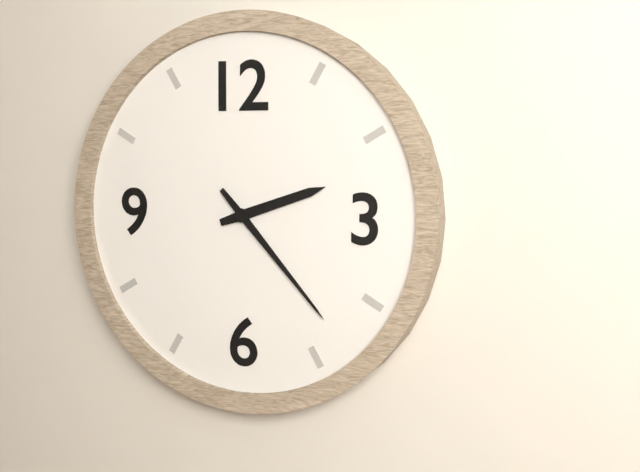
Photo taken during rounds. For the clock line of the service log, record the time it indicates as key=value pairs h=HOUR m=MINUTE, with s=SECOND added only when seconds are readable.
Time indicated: h=2 m=23
